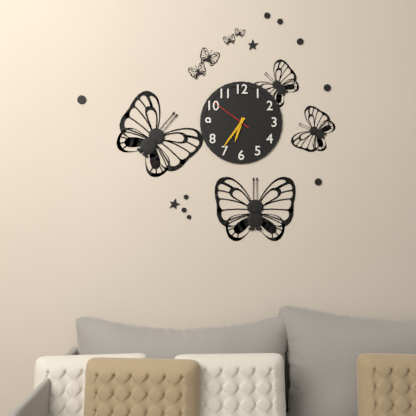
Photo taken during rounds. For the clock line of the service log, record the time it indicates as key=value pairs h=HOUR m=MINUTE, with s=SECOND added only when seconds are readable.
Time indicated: h=6 m=36
